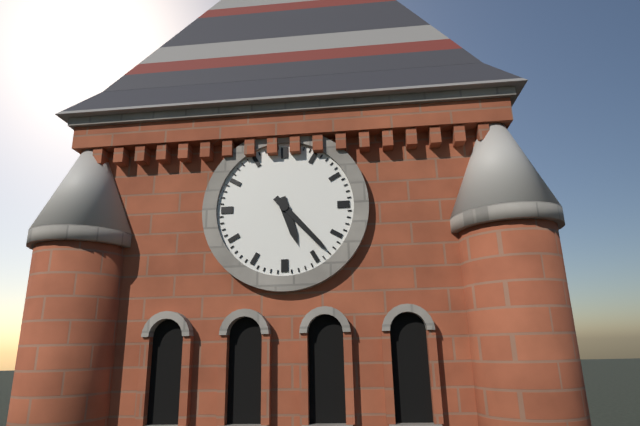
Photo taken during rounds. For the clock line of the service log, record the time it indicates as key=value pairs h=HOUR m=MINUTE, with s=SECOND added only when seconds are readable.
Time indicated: h=5 m=23
